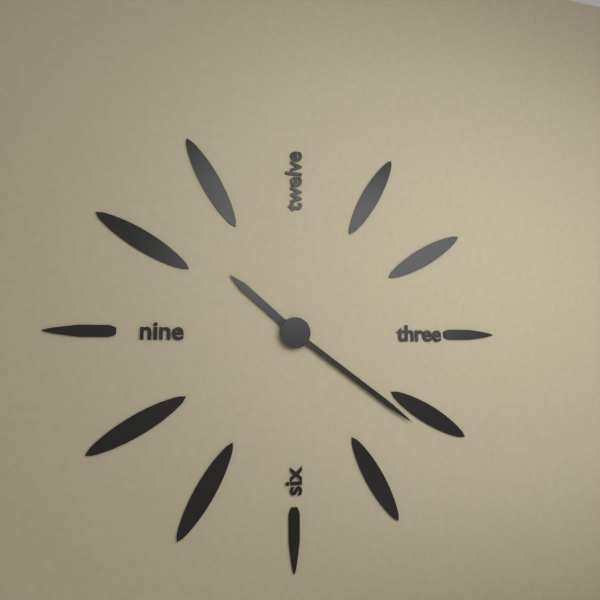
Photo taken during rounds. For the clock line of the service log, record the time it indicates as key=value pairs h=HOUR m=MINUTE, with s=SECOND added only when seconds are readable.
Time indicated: h=10 m=21
